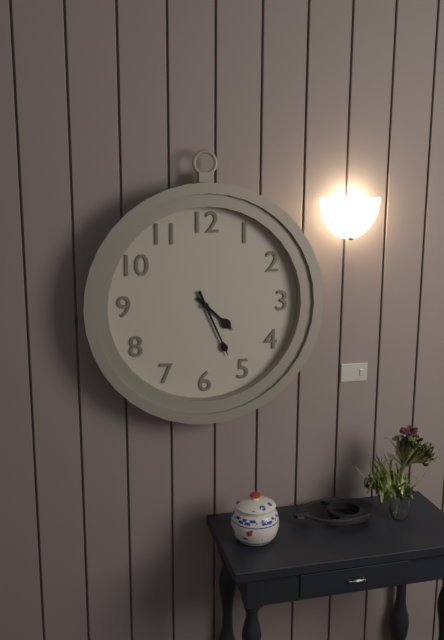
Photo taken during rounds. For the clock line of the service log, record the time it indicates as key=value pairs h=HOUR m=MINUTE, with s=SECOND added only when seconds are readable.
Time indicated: h=4 m=26
